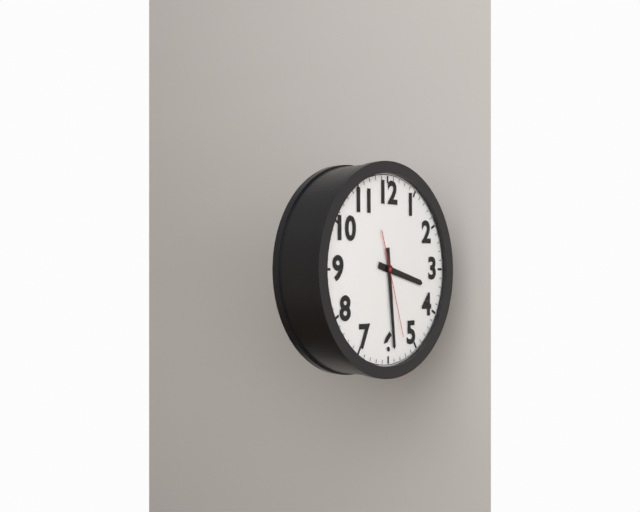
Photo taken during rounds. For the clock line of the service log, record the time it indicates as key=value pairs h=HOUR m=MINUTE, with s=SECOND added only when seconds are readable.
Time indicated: h=3 m=29 s=27
